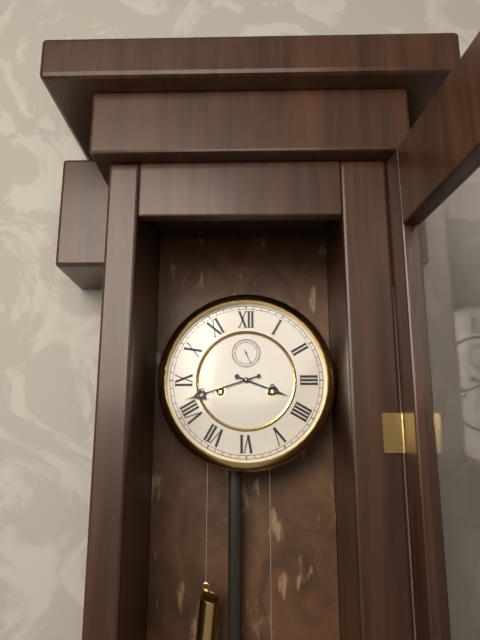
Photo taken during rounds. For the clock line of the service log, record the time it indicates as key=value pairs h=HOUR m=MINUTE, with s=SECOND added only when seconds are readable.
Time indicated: h=3 m=42
